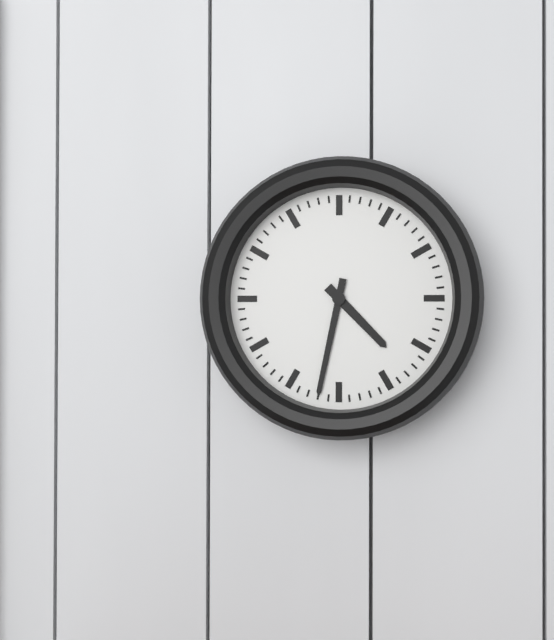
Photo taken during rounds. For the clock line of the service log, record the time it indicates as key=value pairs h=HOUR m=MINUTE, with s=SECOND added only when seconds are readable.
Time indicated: h=4 m=32
